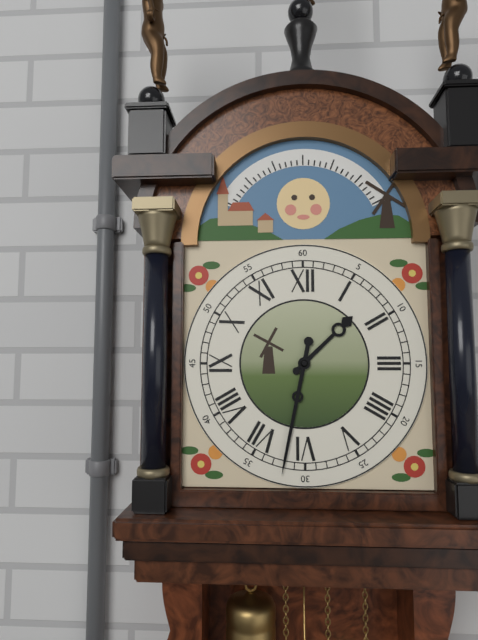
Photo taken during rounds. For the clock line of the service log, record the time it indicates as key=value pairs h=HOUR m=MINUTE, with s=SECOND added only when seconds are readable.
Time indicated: h=1 m=32
